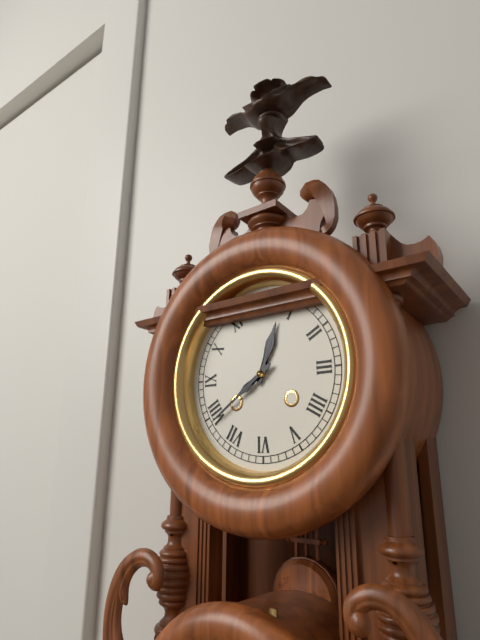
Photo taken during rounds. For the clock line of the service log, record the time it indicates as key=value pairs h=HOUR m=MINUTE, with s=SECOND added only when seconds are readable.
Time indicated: h=12 m=39
